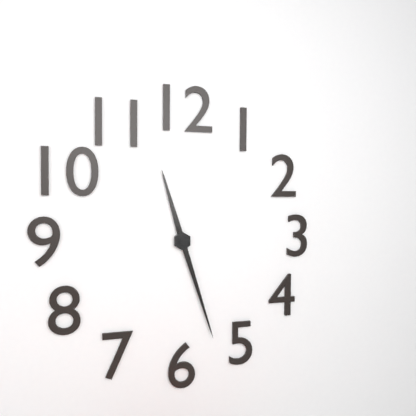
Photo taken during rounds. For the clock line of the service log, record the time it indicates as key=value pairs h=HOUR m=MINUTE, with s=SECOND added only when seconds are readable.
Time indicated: h=11 m=27
